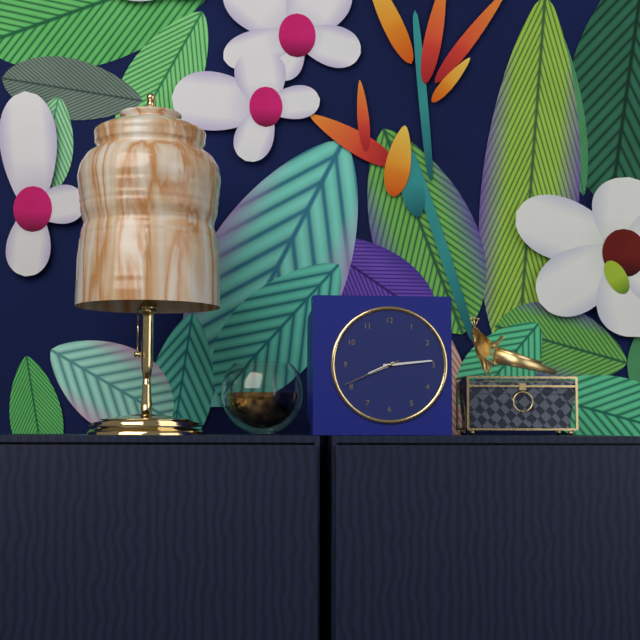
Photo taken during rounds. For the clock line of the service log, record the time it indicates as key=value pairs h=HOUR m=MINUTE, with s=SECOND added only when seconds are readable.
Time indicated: h=8 m=14 s=41
